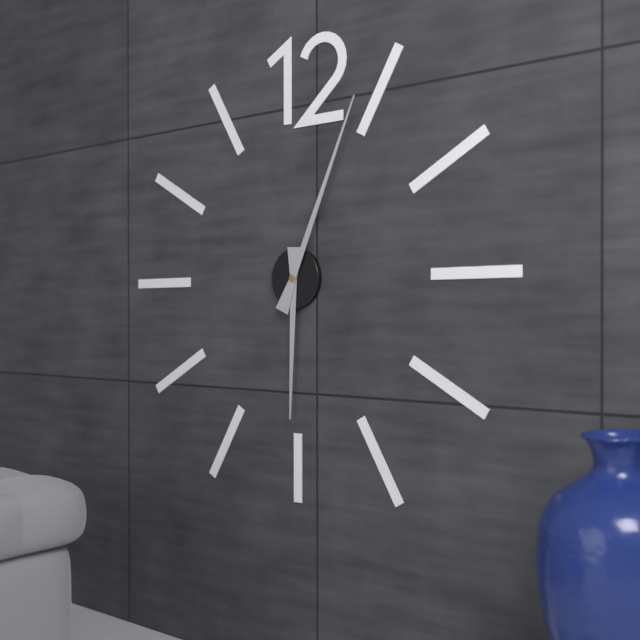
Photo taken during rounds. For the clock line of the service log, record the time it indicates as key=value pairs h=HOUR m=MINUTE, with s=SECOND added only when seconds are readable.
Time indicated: h=6 m=4
